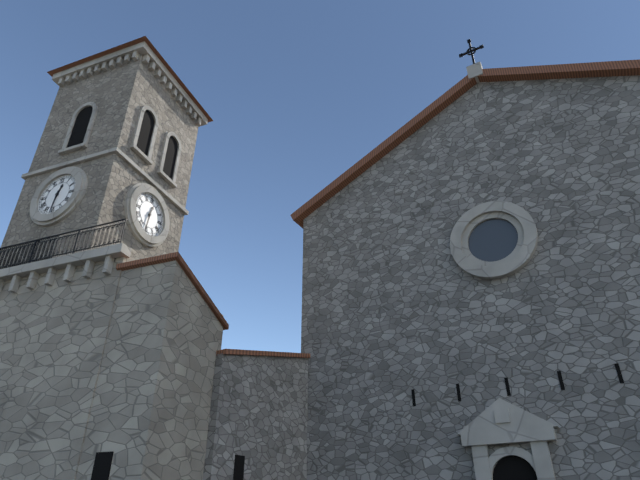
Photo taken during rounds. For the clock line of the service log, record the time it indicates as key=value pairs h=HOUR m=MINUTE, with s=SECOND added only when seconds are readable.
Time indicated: h=12 m=31
